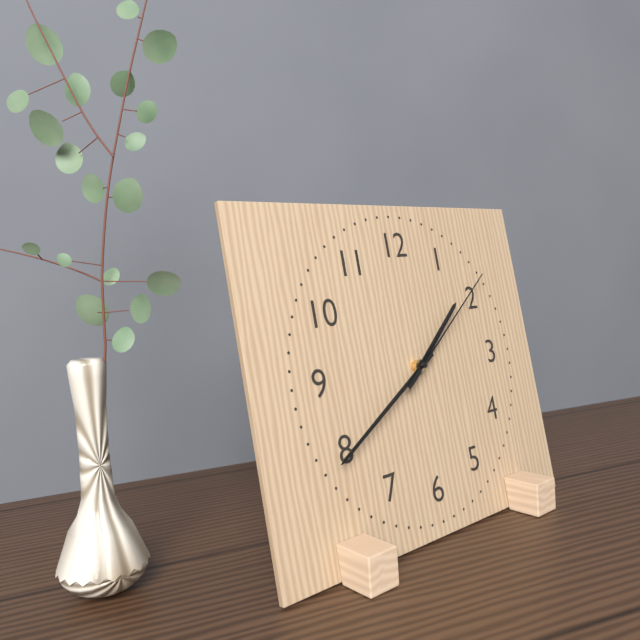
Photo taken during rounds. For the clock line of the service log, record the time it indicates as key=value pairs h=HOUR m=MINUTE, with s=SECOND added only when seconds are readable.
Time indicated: h=1 m=40 s=9
